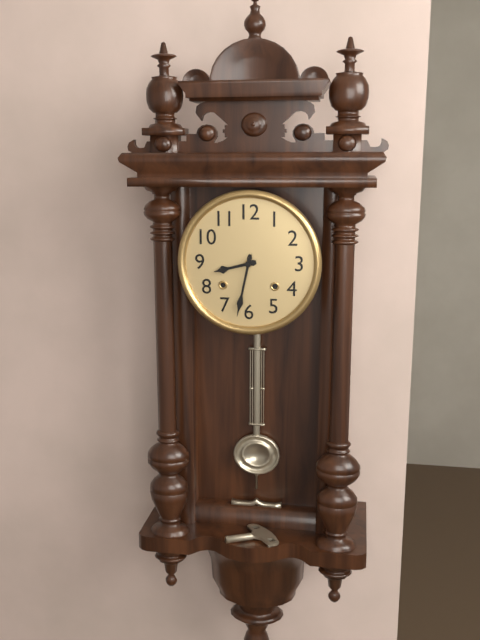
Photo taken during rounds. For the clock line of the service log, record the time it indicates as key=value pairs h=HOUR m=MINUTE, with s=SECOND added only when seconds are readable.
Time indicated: h=8 m=32
